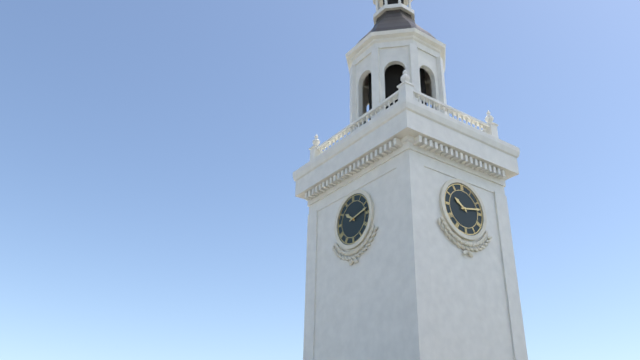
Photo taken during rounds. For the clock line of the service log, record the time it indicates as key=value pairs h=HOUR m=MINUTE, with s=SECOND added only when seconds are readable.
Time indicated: h=10 m=13
